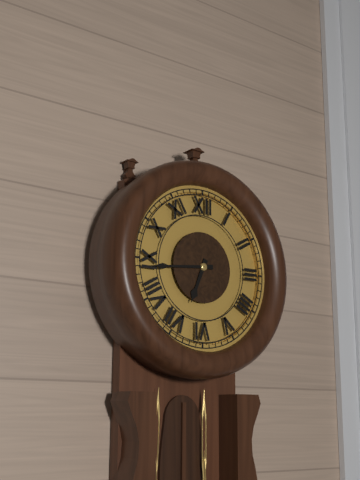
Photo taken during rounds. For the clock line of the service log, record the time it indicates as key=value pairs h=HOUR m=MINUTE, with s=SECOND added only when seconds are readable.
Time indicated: h=6 m=44
